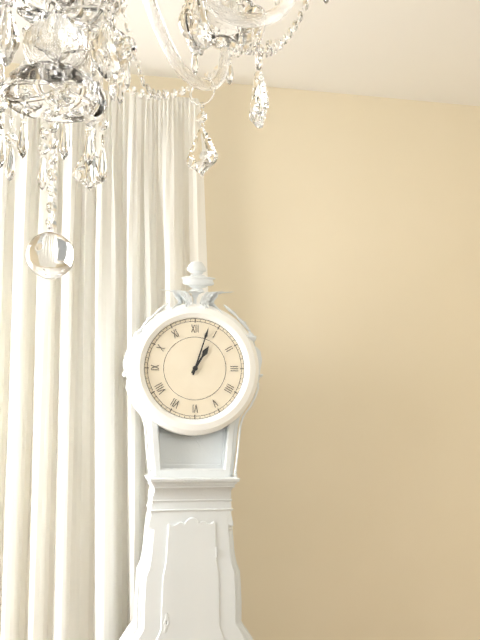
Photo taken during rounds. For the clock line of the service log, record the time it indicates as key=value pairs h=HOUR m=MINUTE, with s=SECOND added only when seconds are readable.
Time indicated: h=1 m=3
